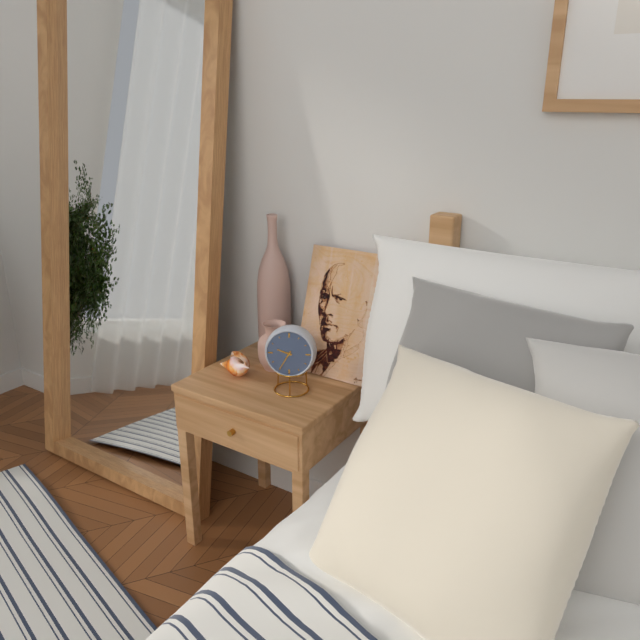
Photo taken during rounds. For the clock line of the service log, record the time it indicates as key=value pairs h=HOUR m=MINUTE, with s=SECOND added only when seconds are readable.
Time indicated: h=9 m=35
